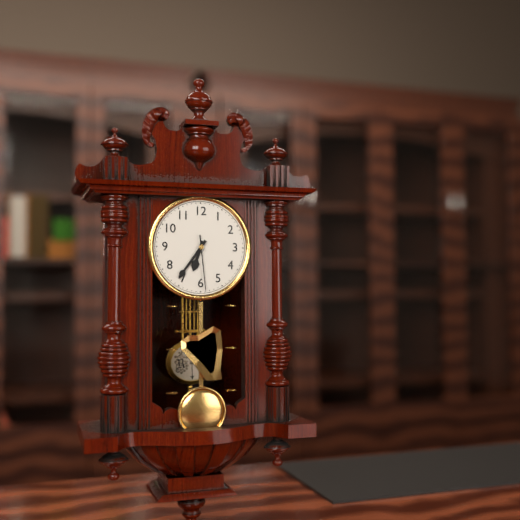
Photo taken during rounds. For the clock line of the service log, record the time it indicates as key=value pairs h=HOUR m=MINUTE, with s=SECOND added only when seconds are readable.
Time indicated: h=6 m=36 s=29
